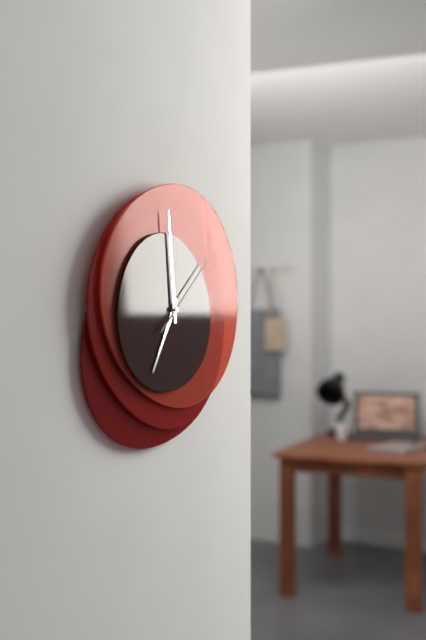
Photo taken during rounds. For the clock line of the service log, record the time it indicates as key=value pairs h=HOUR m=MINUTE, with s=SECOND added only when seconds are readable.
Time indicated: h=6 m=59 s=8
